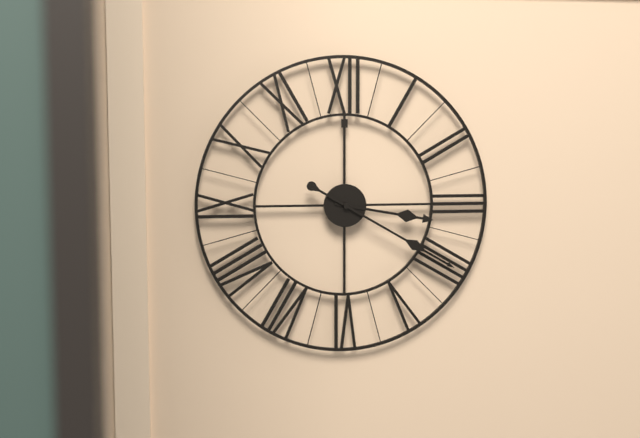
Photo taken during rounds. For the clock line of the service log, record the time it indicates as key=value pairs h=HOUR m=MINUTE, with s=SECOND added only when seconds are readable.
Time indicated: h=3 m=20
